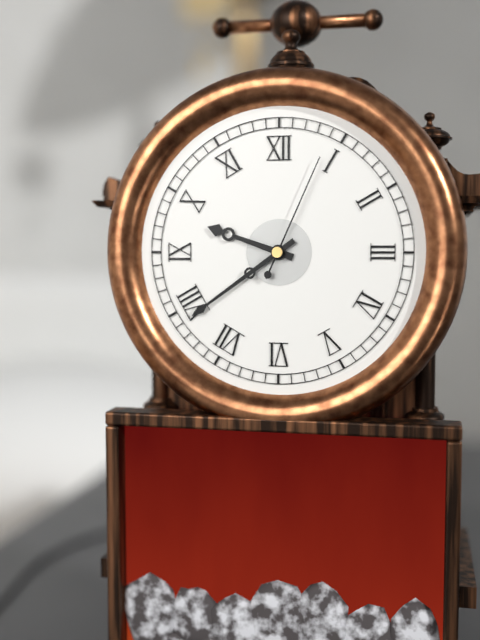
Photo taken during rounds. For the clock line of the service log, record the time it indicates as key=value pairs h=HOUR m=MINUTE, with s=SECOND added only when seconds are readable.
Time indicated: h=9 m=39 s=4
